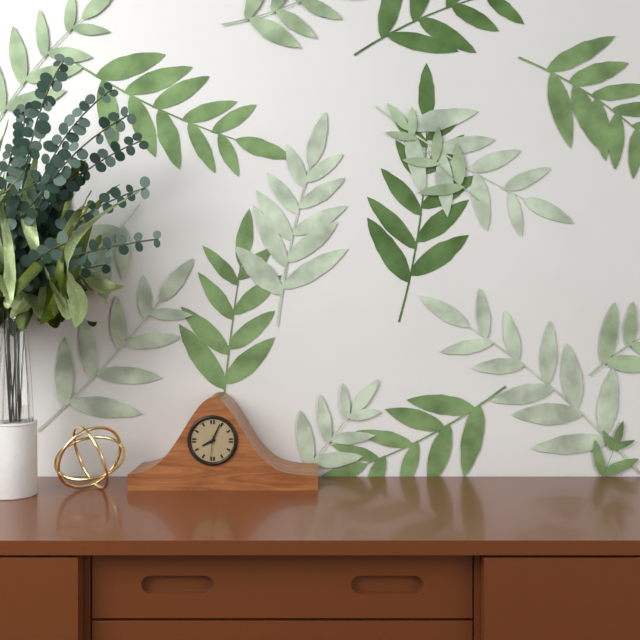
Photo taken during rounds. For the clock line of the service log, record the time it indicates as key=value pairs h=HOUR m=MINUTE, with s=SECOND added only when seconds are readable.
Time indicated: h=8 m=4
